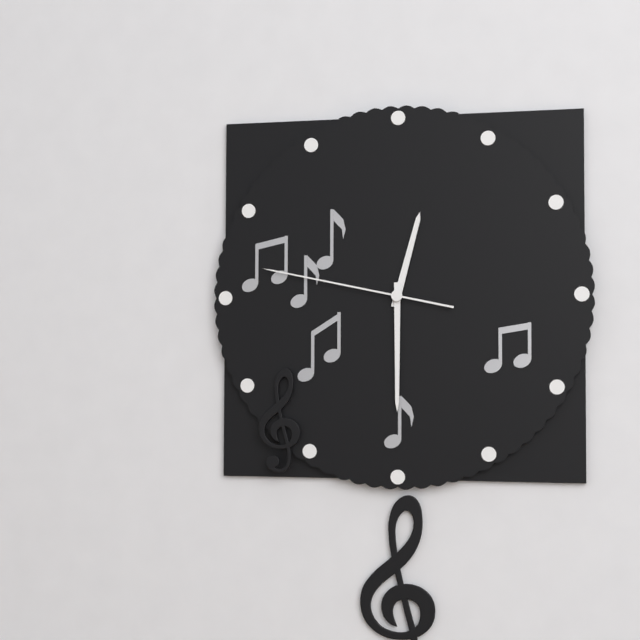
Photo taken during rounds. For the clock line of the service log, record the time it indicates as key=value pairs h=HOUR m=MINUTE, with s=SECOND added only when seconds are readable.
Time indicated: h=12 m=30 s=47
